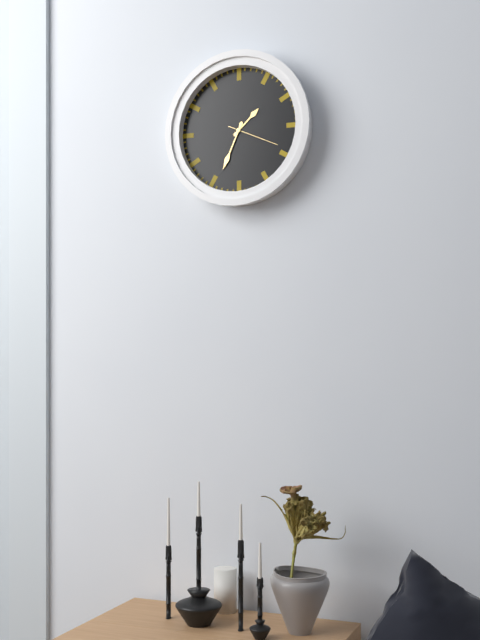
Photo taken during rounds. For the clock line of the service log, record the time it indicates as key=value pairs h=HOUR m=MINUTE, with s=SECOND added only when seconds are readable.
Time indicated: h=1 m=34 s=19
